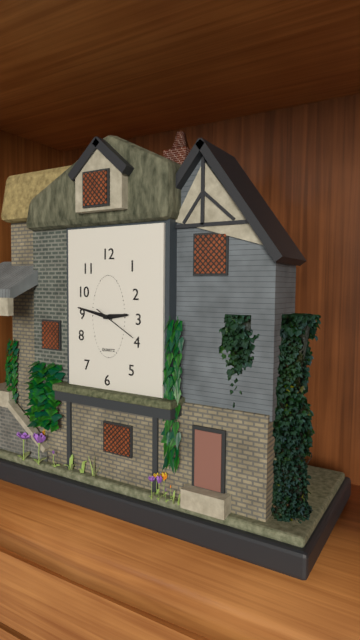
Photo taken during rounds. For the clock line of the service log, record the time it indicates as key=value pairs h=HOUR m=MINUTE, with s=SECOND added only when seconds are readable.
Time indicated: h=2 m=47
